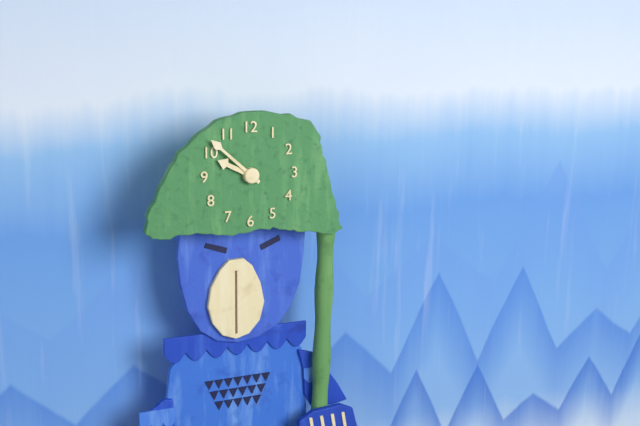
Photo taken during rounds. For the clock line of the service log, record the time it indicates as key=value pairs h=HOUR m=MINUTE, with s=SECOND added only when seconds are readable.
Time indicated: h=9 m=52
